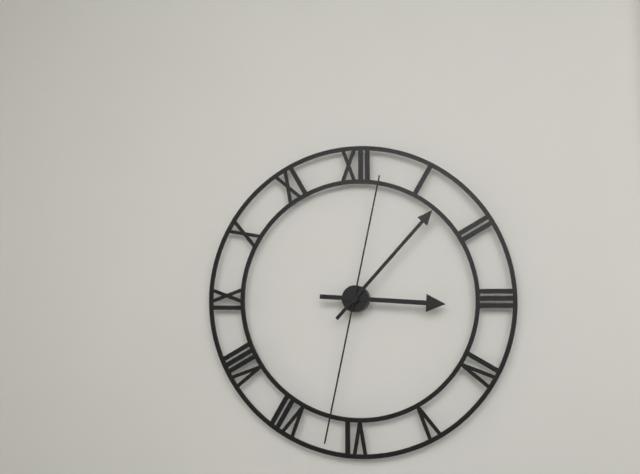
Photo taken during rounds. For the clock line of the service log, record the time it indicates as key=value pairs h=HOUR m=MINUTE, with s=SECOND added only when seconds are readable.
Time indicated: h=3 m=7 s=32
